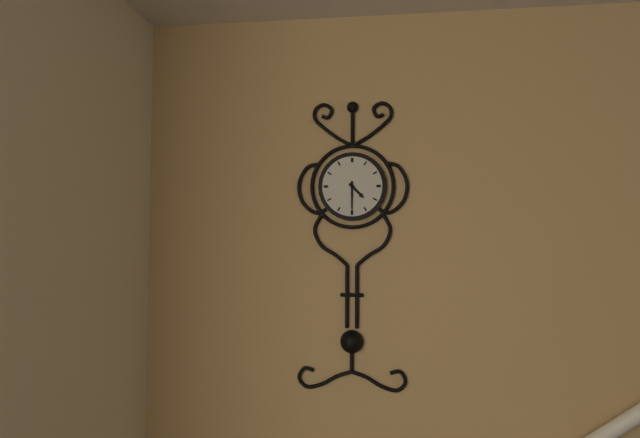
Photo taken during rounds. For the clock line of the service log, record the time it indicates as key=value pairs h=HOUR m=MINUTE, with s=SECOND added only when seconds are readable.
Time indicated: h=4 m=30
